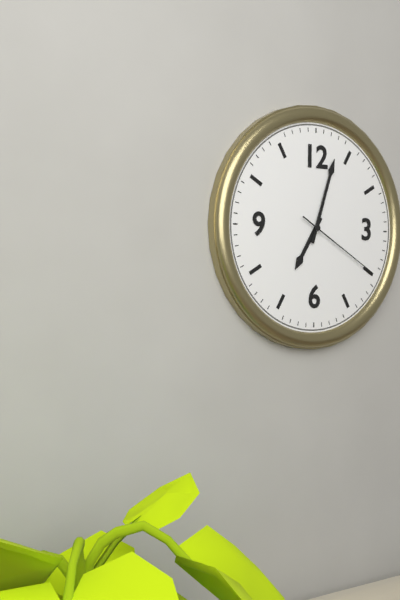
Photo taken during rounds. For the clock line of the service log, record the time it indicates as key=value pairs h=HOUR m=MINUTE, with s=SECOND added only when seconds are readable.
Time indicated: h=7 m=3 s=20
